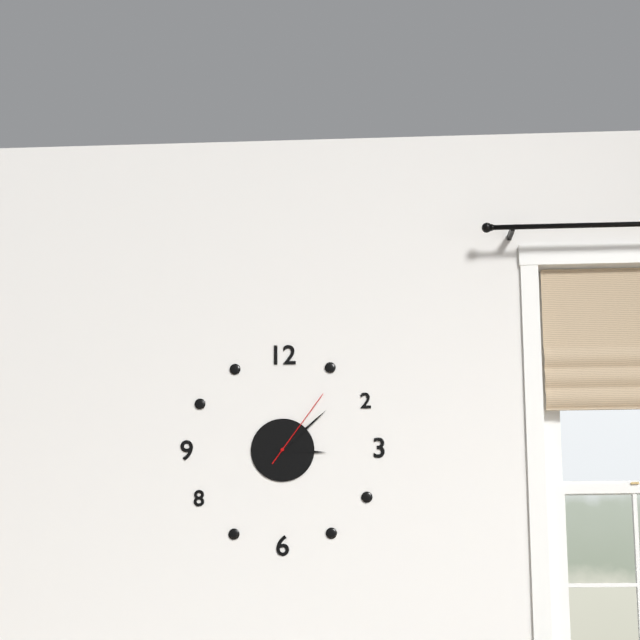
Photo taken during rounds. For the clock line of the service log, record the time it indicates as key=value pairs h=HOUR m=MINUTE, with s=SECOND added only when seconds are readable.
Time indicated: h=3 m=8 s=6
